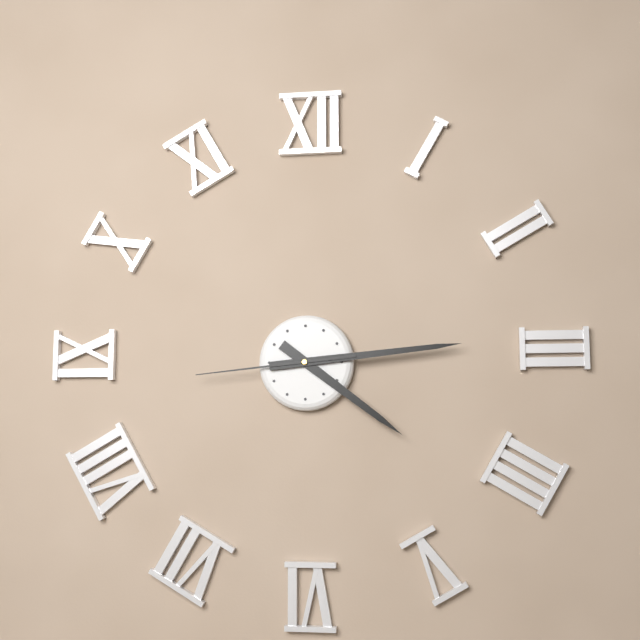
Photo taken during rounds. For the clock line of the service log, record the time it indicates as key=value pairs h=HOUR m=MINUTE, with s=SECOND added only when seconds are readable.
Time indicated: h=4 m=14 s=44
